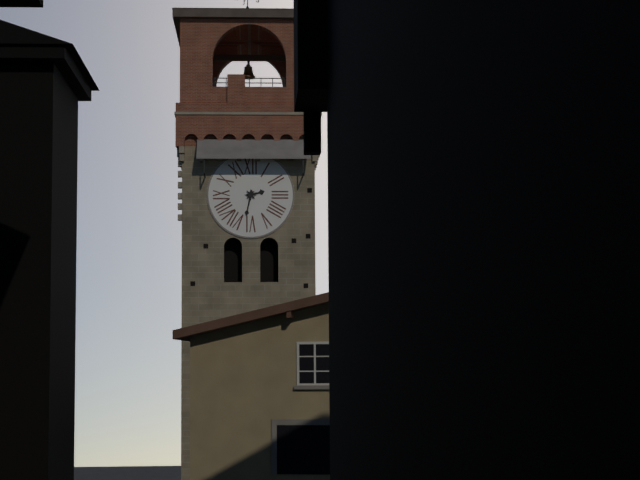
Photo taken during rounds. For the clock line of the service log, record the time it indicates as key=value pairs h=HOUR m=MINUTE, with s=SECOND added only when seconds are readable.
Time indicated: h=2 m=32
